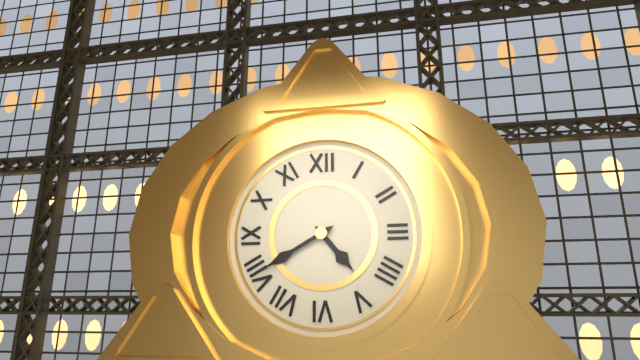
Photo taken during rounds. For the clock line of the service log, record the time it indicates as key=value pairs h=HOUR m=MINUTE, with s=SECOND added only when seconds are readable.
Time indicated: h=4 m=40
